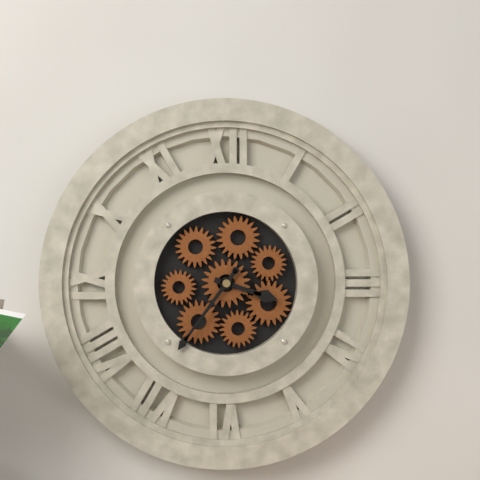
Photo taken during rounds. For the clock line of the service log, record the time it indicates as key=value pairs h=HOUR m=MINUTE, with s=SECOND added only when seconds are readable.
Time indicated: h=3 m=36
